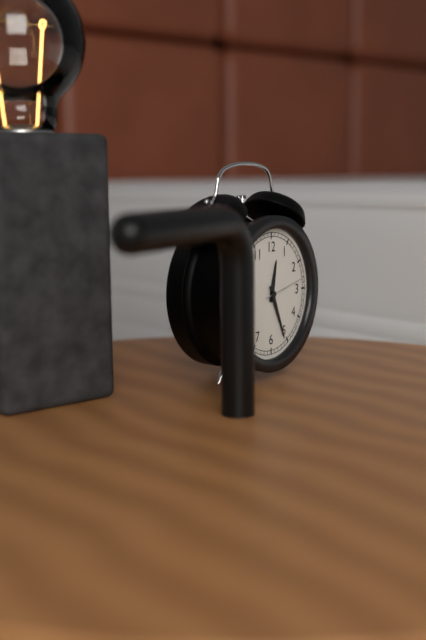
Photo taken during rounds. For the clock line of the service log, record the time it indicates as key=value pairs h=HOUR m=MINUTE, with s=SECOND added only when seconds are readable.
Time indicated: h=12 m=26
